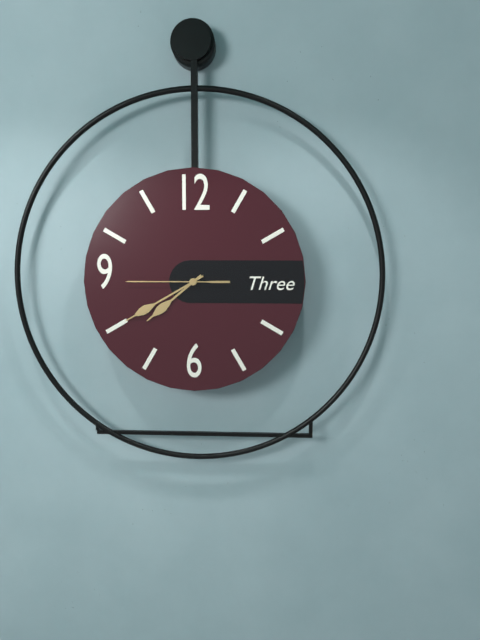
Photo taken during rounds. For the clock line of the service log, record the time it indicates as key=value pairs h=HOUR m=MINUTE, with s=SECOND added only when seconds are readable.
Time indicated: h=7 m=40 s=45
